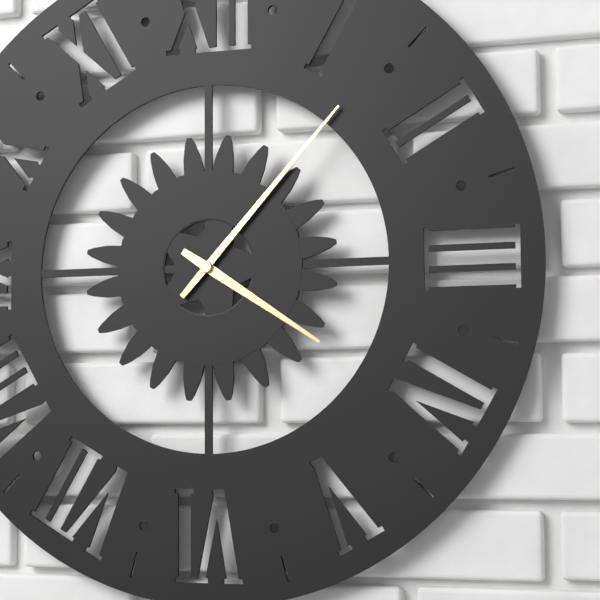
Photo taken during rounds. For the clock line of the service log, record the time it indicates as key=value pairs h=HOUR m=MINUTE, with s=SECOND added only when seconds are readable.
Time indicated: h=4 m=7
